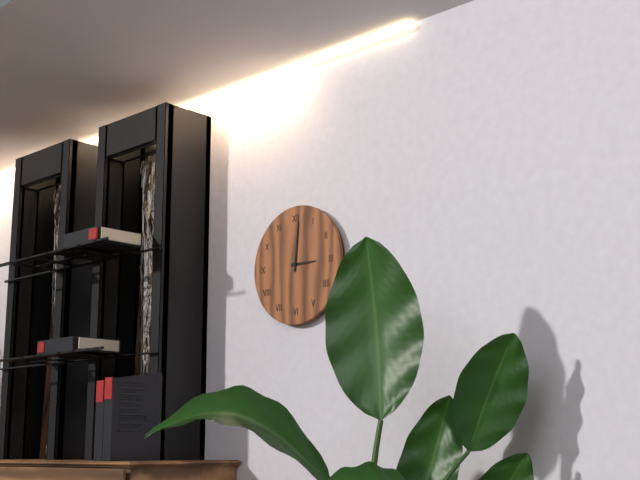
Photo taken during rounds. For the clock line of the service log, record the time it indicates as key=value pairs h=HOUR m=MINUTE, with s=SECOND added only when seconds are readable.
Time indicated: h=3 m=1
